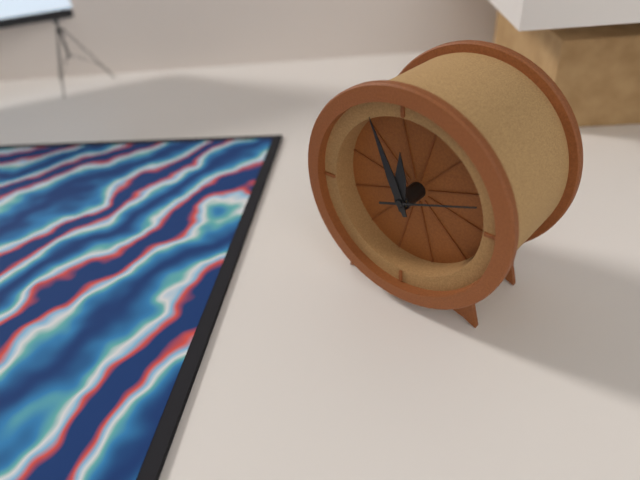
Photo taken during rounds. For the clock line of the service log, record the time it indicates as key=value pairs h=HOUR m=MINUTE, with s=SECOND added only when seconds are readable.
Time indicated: h=11 m=56 s=12
